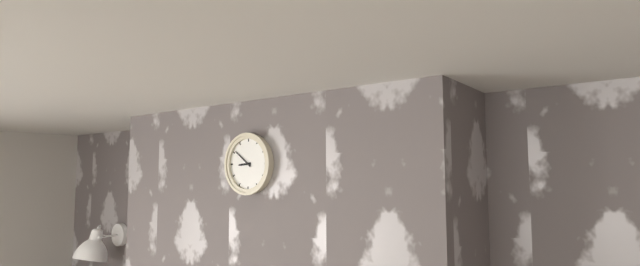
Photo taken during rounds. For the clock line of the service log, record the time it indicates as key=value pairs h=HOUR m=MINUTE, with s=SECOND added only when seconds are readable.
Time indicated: h=8 m=51
